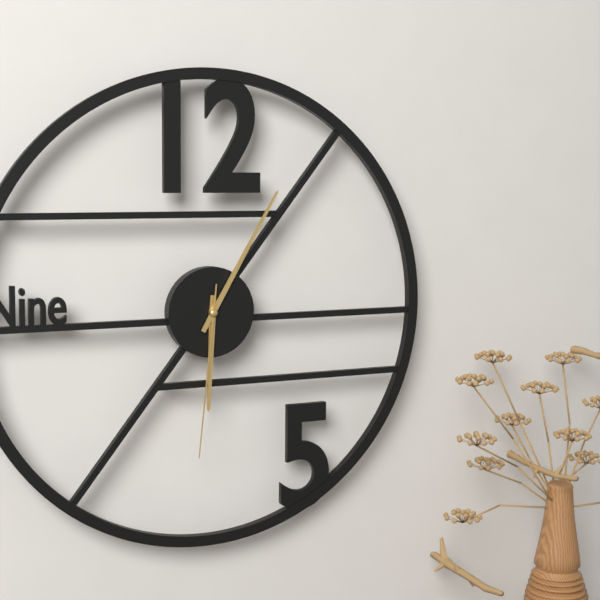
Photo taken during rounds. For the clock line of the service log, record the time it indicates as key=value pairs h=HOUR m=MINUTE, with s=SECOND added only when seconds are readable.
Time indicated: h=6 m=5 s=31
